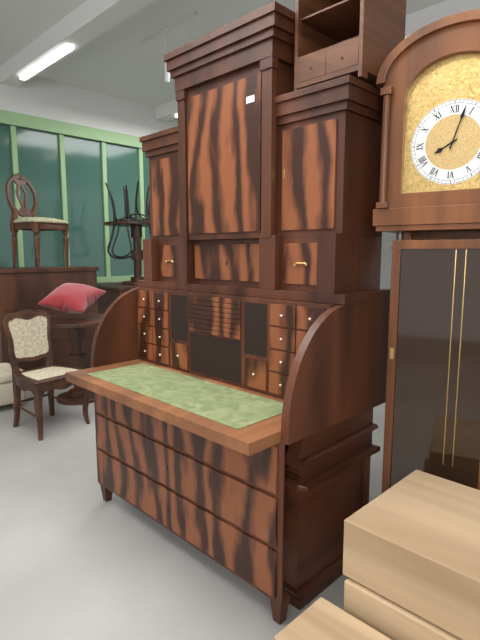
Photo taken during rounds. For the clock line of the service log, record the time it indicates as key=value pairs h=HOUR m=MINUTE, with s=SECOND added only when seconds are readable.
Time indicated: h=8 m=3
